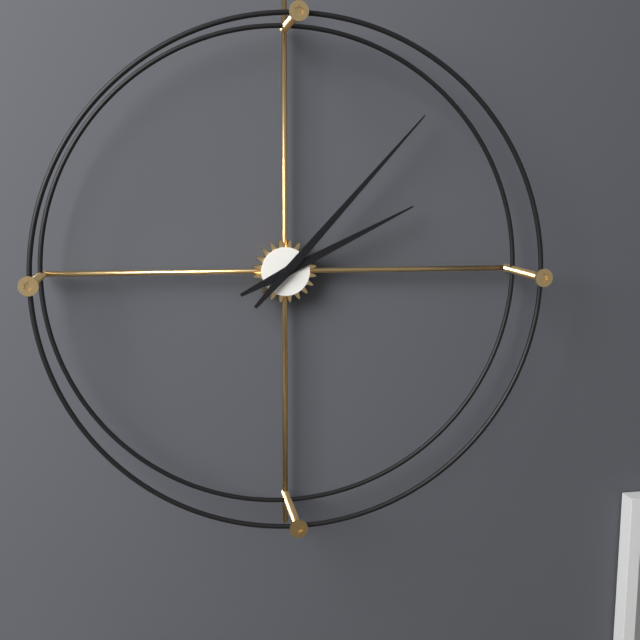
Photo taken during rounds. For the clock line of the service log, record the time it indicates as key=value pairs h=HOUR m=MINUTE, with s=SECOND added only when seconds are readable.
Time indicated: h=2 m=7
